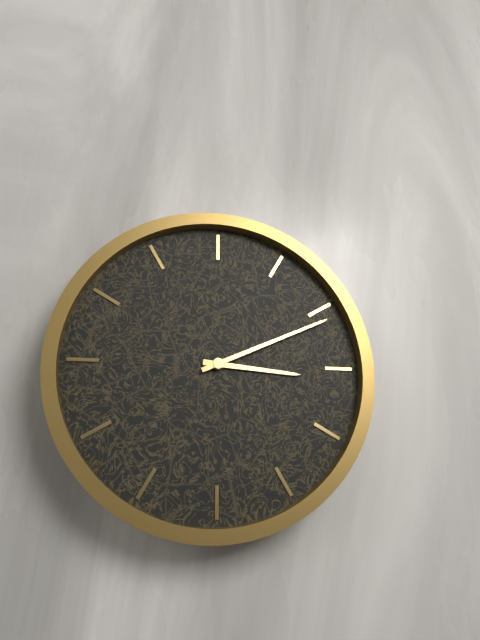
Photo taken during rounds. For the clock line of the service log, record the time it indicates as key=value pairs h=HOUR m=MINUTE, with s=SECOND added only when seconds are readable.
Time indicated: h=3 m=11
